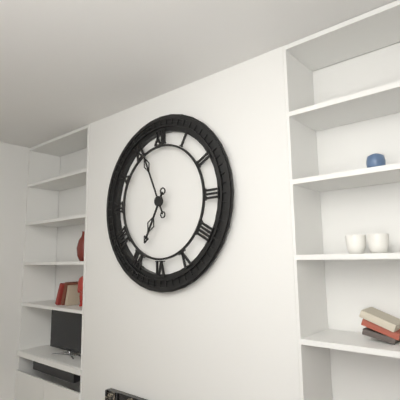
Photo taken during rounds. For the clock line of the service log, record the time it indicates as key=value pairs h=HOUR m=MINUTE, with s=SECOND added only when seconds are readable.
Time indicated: h=6 m=56
